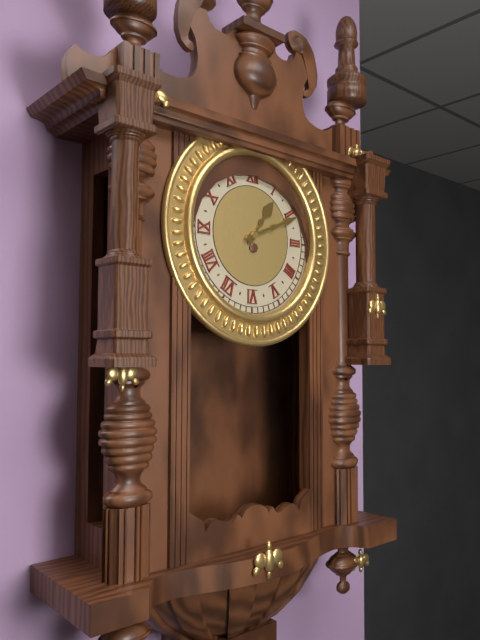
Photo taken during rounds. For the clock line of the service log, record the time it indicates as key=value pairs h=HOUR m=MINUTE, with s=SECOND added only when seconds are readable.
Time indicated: h=1 m=11
